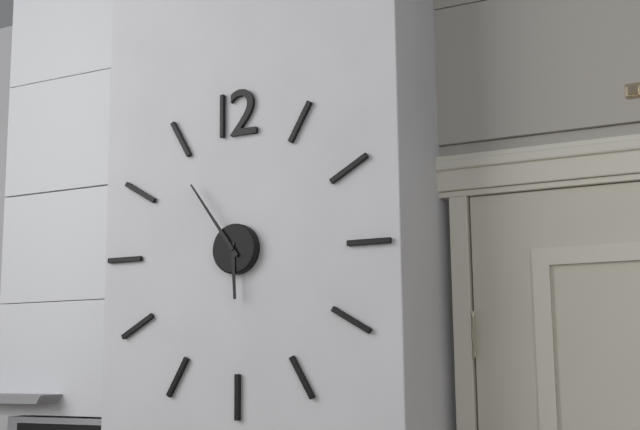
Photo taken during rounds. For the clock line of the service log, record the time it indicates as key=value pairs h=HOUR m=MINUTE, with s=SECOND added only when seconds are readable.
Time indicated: h=5 m=54
